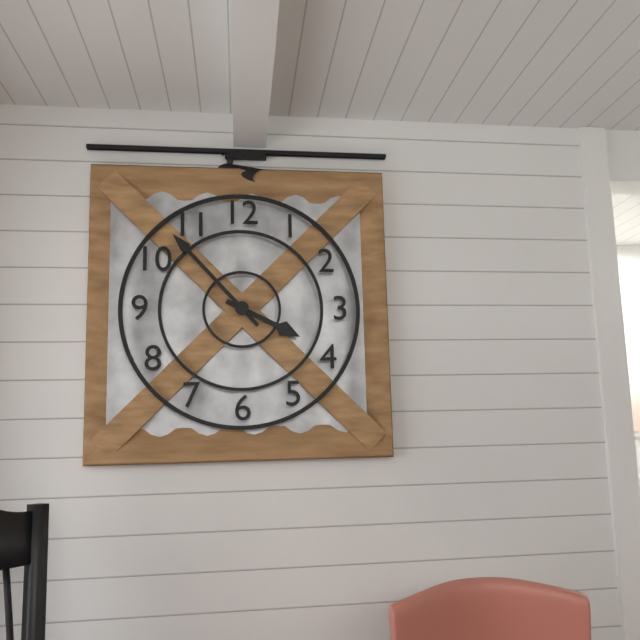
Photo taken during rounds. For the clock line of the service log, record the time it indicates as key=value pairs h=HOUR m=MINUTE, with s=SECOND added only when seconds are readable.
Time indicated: h=3 m=53
